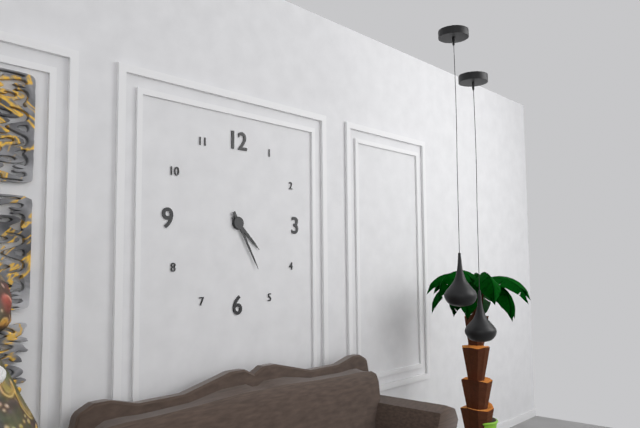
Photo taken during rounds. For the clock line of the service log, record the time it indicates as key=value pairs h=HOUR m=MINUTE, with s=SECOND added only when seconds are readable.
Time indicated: h=4 m=25
